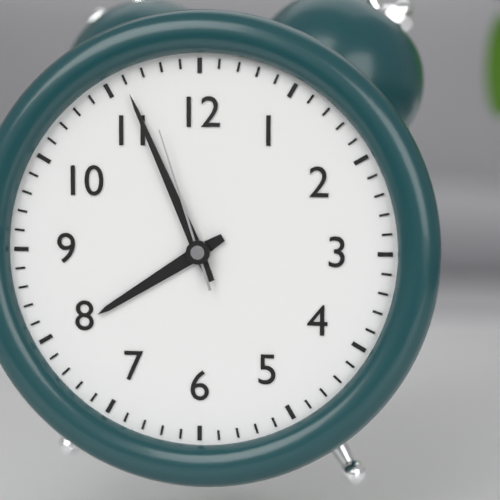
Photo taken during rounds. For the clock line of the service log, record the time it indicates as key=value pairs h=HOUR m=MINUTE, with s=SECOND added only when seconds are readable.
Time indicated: h=7 m=56 s=57
